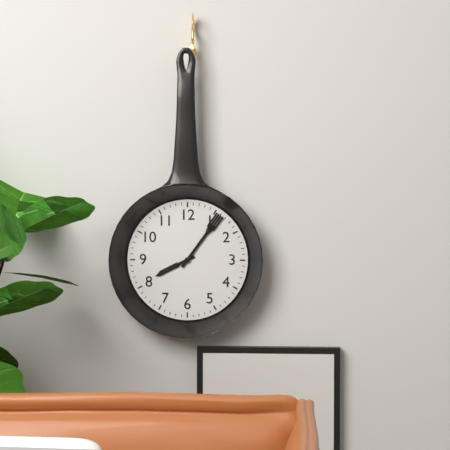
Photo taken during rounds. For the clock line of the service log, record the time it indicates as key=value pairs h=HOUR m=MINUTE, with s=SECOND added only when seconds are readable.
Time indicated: h=8 m=6
